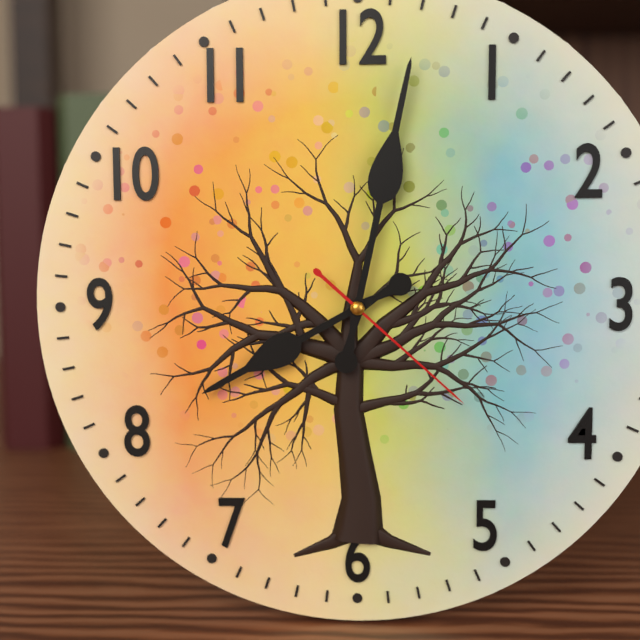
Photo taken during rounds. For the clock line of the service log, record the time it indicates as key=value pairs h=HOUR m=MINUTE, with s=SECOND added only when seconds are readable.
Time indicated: h=8 m=2 s=22
